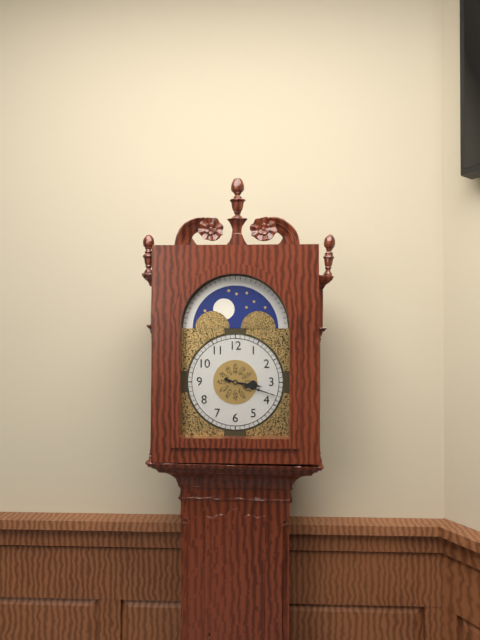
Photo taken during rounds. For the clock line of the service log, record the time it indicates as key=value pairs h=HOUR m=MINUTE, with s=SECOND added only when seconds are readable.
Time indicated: h=3 m=18
